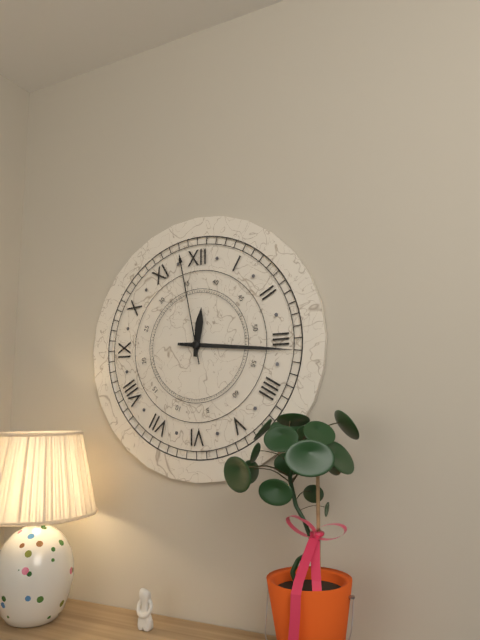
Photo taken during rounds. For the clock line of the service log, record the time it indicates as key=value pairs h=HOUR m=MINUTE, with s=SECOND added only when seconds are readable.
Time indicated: h=12 m=16 s=58
